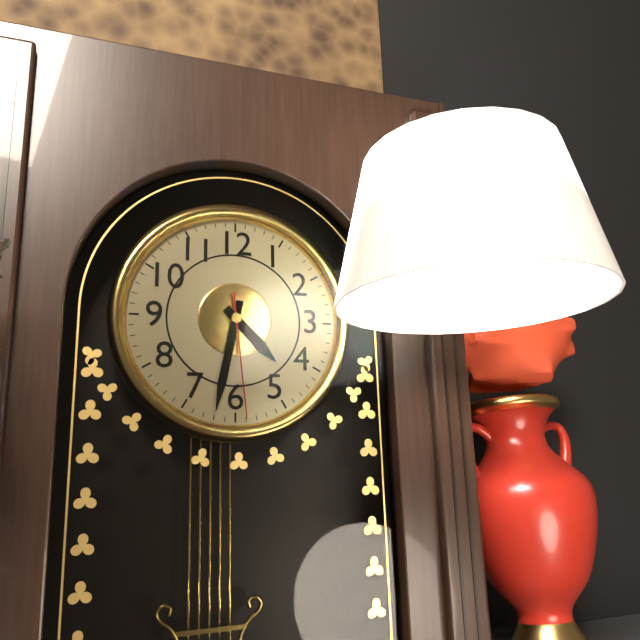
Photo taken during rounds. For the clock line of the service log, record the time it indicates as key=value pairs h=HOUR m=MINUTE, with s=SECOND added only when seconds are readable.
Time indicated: h=4 m=32 s=29
